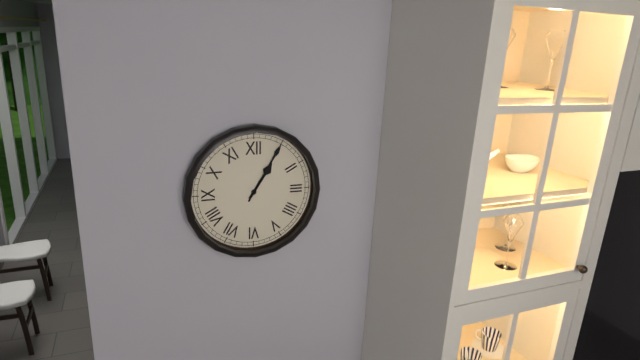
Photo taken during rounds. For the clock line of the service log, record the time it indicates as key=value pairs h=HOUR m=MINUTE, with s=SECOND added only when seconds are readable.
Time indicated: h=1 m=5
